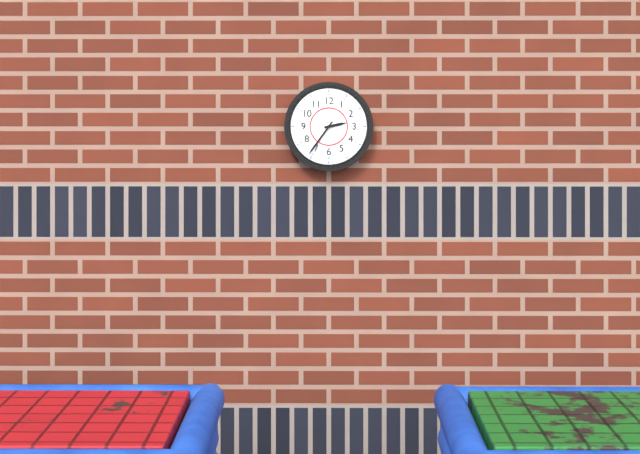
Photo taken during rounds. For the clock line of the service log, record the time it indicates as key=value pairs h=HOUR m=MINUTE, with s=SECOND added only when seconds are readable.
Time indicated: h=2 m=36
